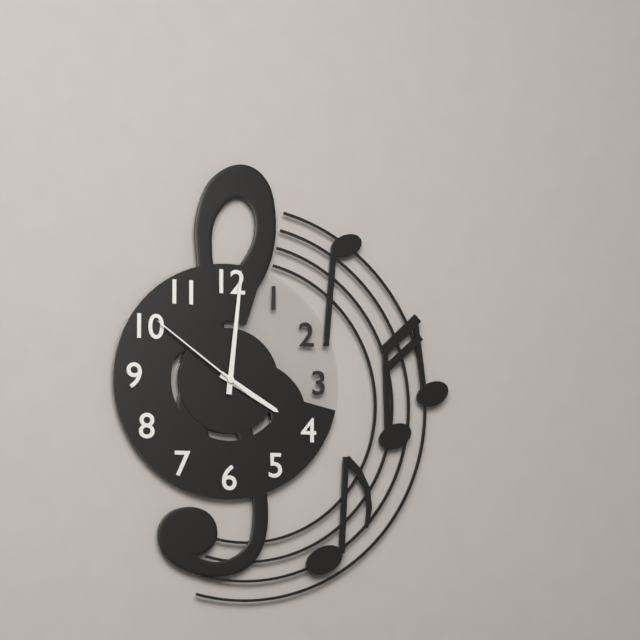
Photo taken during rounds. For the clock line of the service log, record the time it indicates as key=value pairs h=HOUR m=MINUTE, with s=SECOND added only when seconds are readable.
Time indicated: h=4 m=1 s=51
